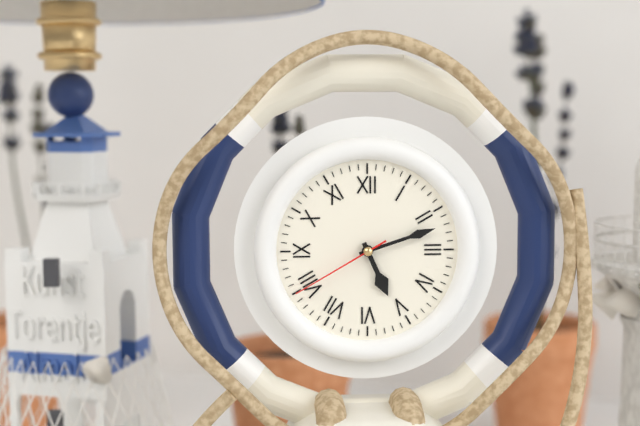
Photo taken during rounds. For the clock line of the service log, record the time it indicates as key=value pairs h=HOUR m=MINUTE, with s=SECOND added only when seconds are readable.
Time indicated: h=5 m=12 s=40
